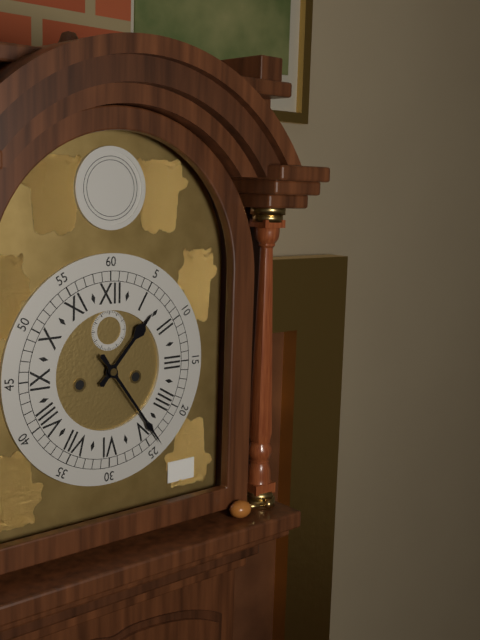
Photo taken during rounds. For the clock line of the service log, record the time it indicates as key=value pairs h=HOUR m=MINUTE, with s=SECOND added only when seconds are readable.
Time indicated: h=1 m=24
